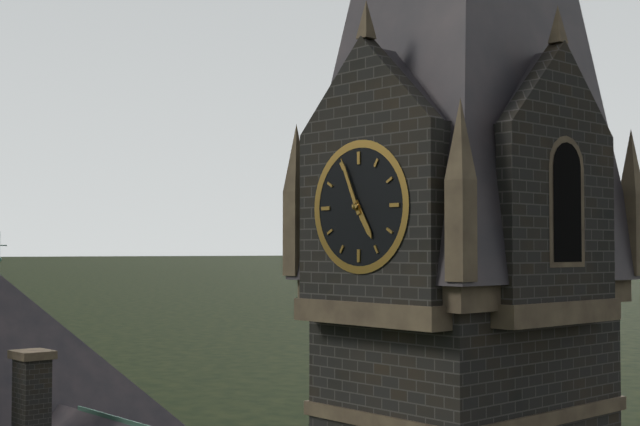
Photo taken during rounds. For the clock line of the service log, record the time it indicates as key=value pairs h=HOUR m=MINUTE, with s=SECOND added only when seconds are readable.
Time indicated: h=4 m=56
